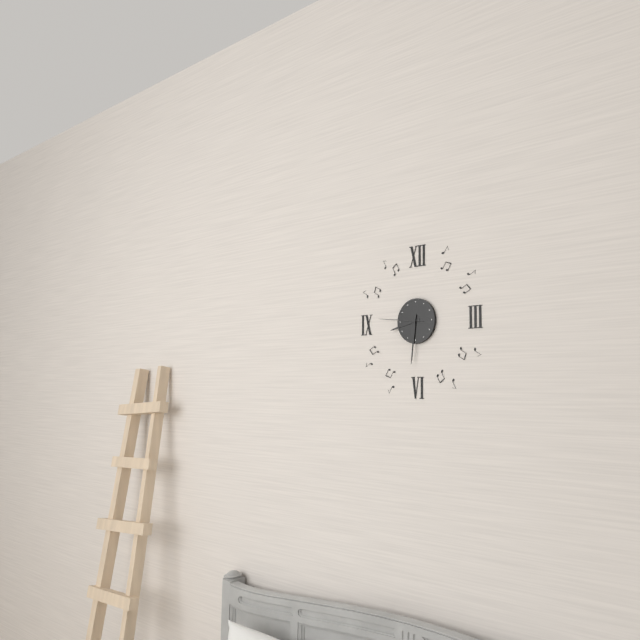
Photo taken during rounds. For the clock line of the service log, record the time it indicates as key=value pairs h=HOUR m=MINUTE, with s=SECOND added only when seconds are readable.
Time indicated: h=8 m=31
